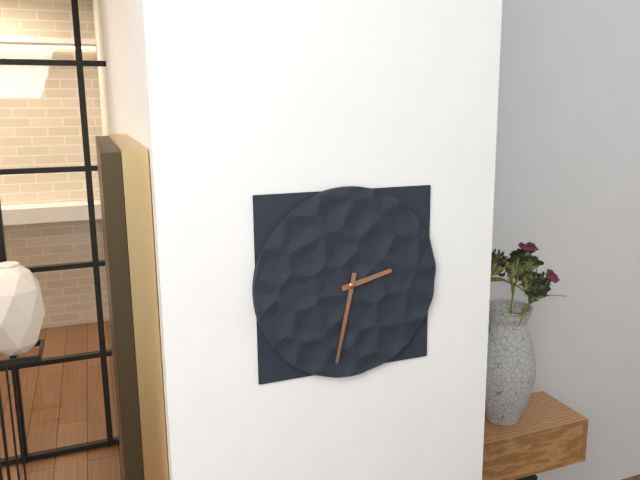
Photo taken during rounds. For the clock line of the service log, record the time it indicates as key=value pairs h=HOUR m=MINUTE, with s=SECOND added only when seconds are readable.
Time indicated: h=2 m=32
